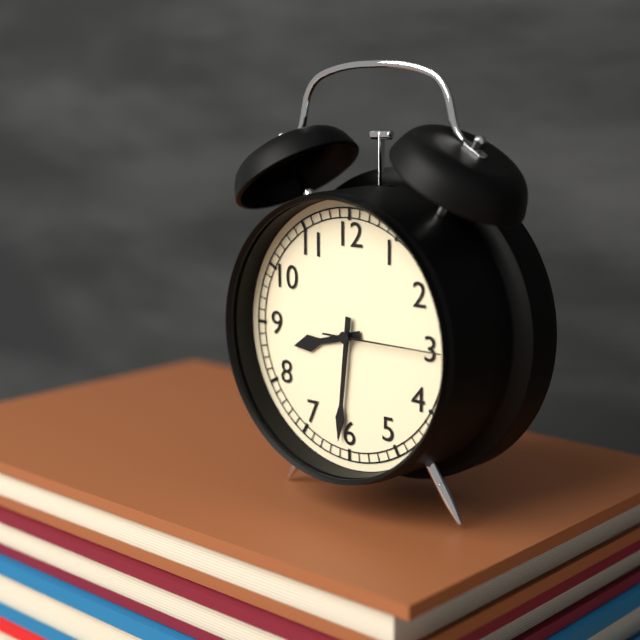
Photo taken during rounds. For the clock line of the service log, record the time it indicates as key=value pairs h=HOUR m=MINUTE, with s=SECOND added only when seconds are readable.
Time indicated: h=8 m=31 s=15
